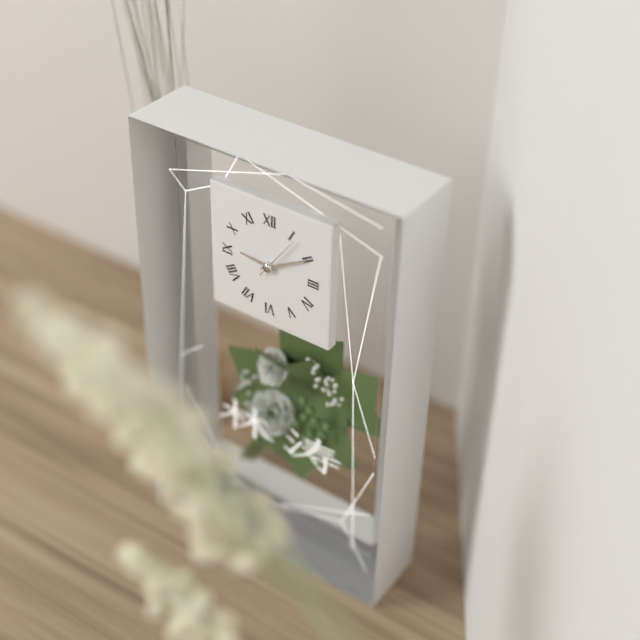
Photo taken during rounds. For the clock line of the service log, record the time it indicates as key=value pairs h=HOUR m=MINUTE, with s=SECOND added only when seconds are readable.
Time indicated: h=9 m=10
